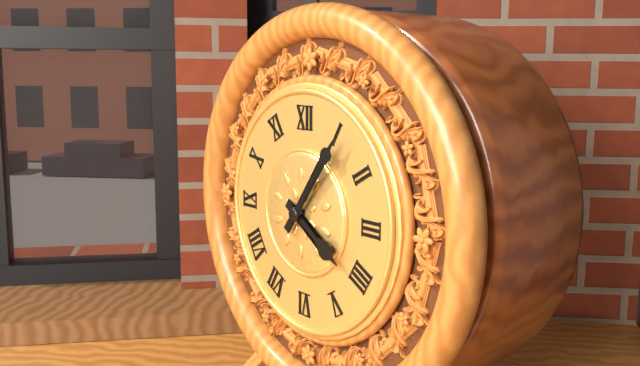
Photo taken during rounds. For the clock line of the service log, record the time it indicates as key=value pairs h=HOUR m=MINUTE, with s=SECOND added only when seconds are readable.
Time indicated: h=4 m=6
